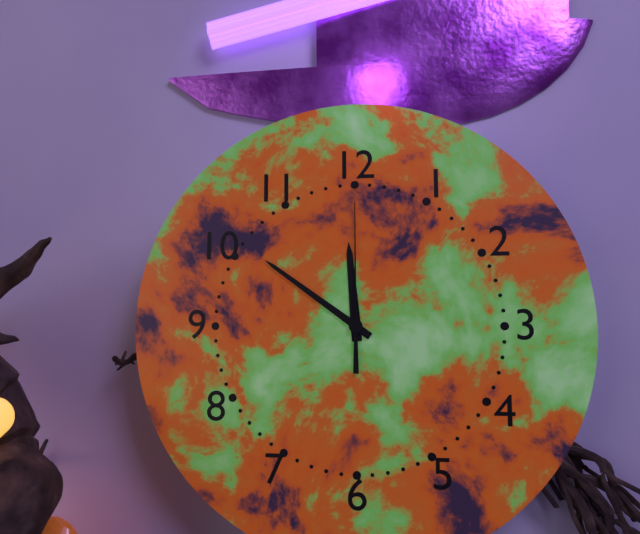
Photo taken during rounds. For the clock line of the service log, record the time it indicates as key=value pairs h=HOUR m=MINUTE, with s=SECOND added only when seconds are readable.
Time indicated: h=11 m=51 s=0
